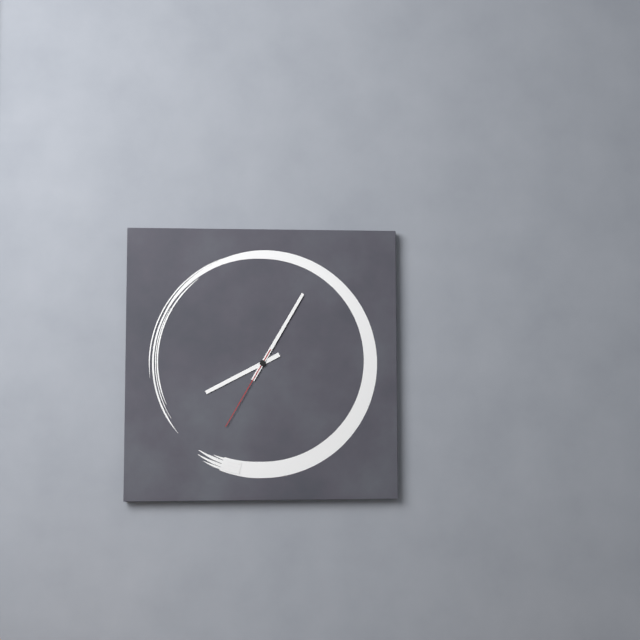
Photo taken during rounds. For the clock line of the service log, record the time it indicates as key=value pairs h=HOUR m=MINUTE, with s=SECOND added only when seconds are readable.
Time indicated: h=8 m=5 s=35
